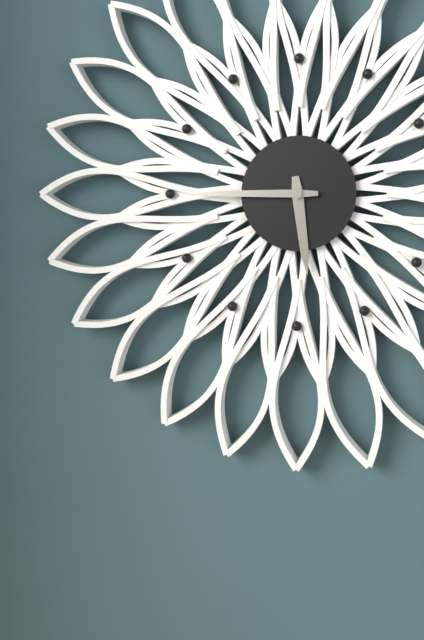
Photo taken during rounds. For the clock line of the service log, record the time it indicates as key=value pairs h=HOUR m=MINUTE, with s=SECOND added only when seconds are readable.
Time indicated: h=5 m=45
